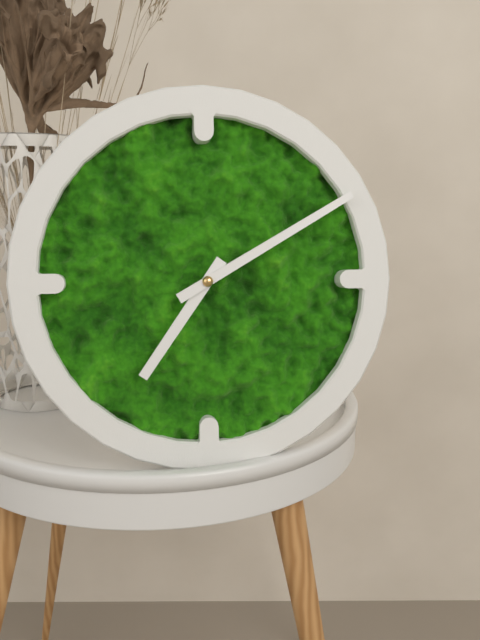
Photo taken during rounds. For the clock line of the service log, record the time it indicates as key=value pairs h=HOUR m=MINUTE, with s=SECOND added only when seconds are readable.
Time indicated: h=7 m=10
